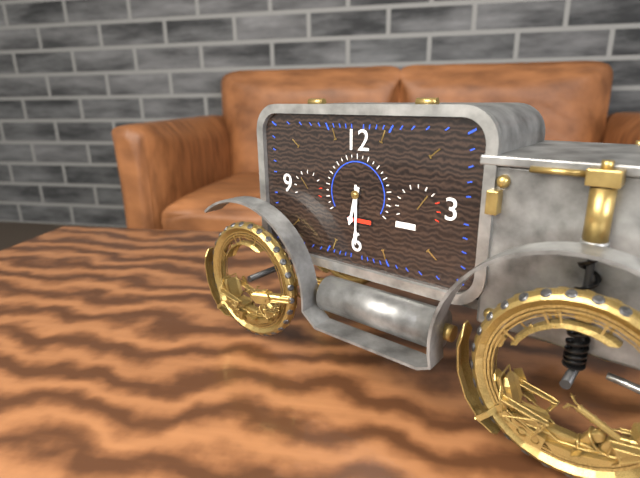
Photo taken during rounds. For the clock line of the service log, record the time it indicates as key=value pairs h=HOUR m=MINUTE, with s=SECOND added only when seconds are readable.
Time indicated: h=6 m=30
